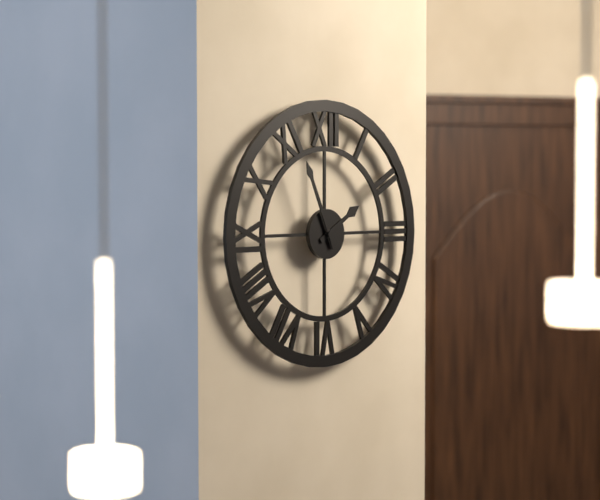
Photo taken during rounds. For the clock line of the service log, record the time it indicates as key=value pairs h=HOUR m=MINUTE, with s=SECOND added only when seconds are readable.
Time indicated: h=1 m=56
